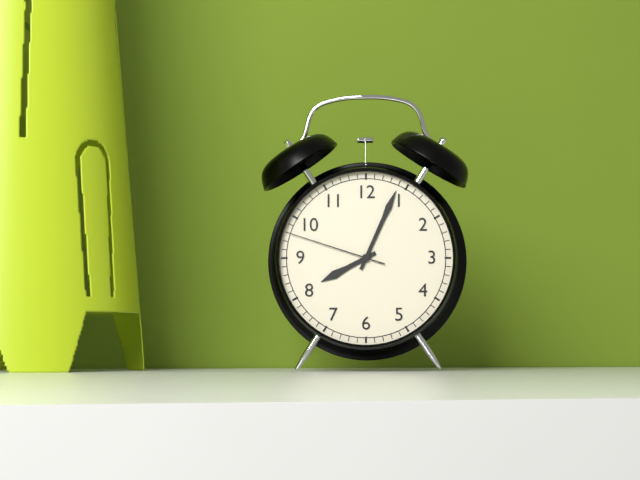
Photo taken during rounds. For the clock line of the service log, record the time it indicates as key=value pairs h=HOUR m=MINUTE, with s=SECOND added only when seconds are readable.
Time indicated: h=8 m=4 s=48
